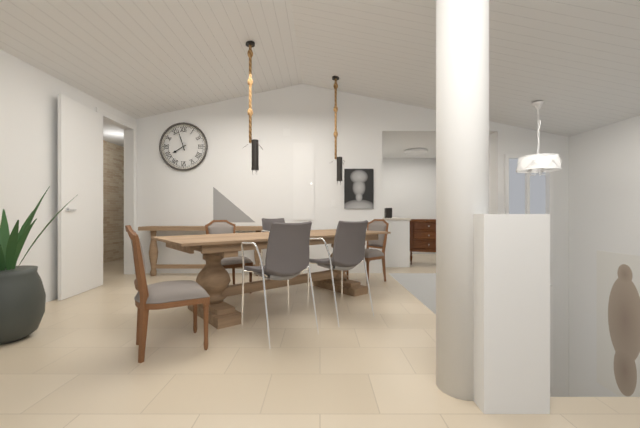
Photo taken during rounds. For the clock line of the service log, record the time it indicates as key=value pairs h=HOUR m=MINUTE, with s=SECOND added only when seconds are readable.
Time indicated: h=7 m=57
